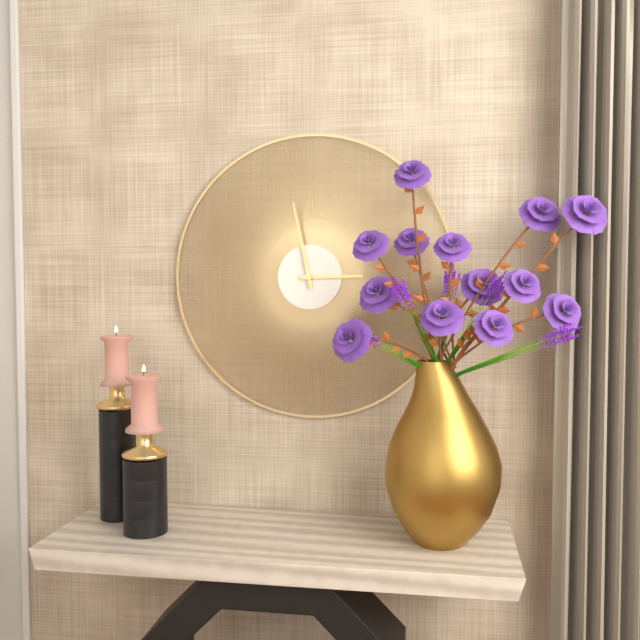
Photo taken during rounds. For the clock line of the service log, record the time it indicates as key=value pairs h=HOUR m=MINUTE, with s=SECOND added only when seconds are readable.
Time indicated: h=2 m=58
